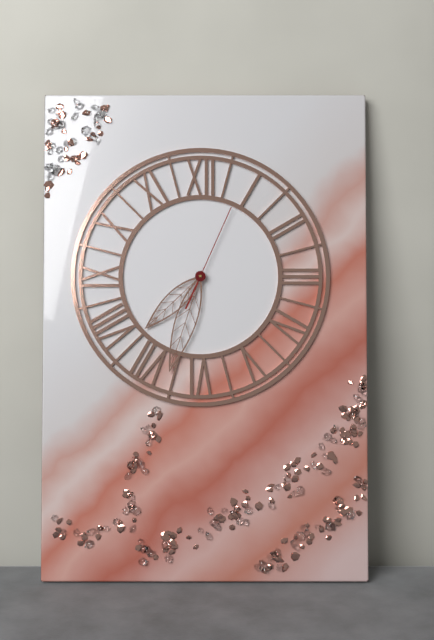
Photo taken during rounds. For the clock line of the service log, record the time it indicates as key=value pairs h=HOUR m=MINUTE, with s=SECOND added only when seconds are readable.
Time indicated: h=7 m=33 s=4
